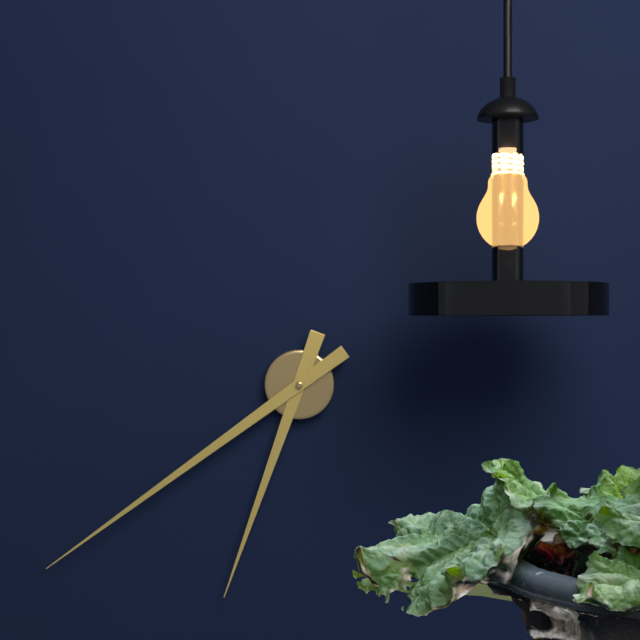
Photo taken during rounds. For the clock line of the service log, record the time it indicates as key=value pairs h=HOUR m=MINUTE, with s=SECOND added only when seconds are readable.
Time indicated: h=6 m=39
